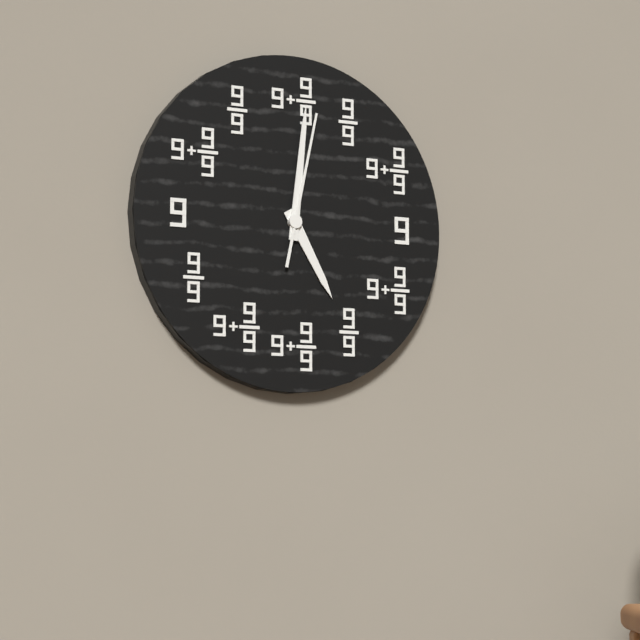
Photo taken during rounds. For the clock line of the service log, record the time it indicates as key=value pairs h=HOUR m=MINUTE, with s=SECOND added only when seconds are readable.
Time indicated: h=5 m=1 s=2
